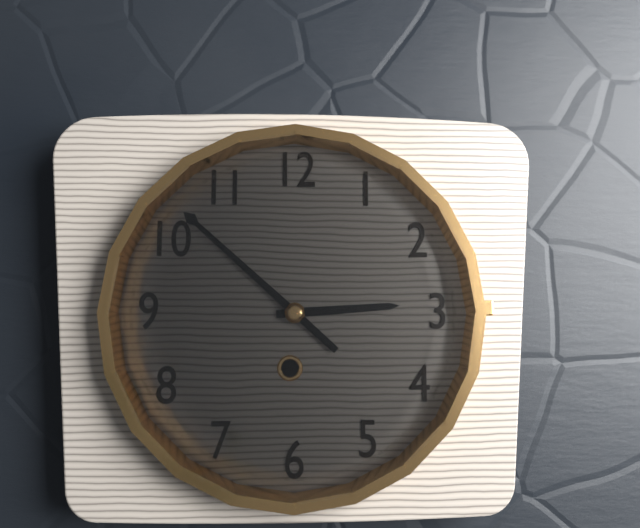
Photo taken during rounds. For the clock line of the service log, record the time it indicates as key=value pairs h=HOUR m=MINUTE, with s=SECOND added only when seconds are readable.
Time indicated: h=2 m=52
